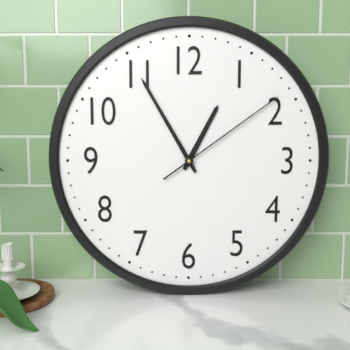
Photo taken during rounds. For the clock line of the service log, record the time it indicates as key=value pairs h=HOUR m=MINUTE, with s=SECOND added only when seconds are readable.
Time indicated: h=12 m=55 s=9
